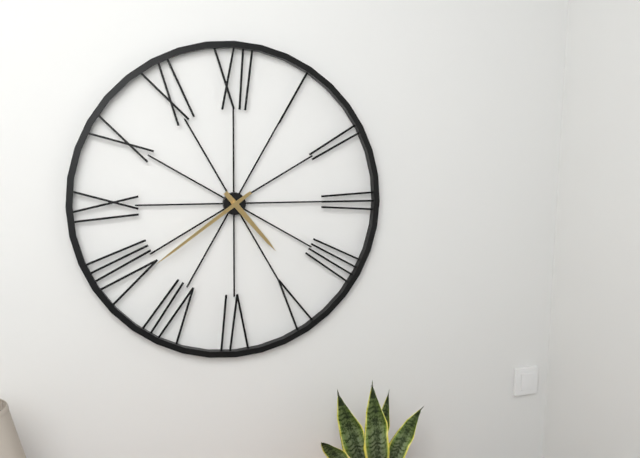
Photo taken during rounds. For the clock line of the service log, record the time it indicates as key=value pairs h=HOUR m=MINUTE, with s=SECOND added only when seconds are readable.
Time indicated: h=4 m=39
